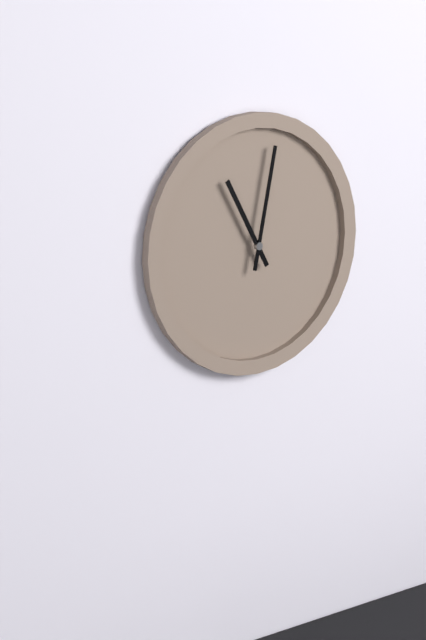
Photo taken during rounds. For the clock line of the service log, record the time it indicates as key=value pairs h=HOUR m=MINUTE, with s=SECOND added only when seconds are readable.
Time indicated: h=11 m=2
